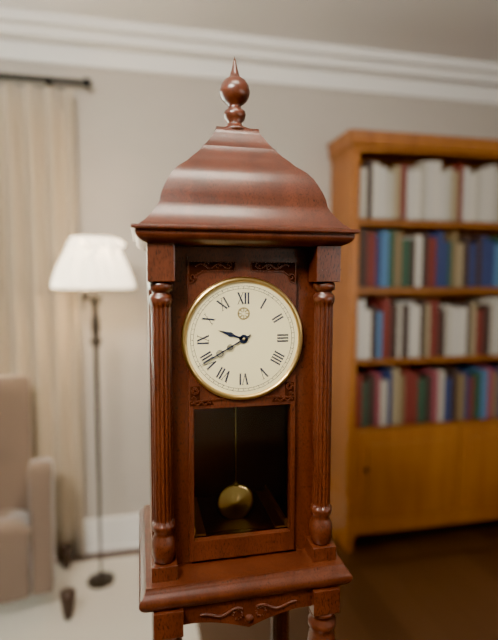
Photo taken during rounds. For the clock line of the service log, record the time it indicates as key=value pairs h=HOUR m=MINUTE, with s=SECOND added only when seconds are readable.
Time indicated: h=9 m=40
